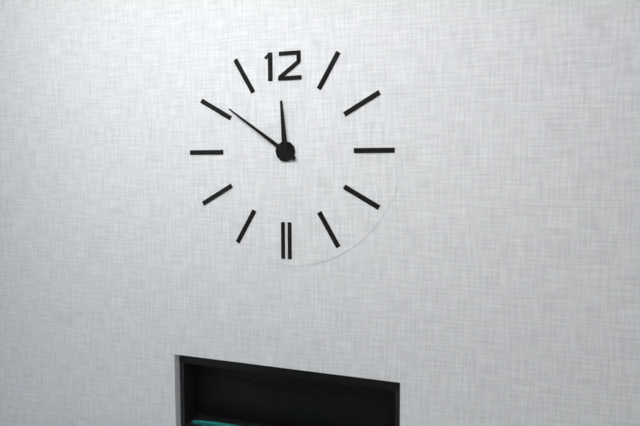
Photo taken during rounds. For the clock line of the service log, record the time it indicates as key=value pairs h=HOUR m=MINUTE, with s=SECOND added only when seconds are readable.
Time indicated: h=11 m=51
